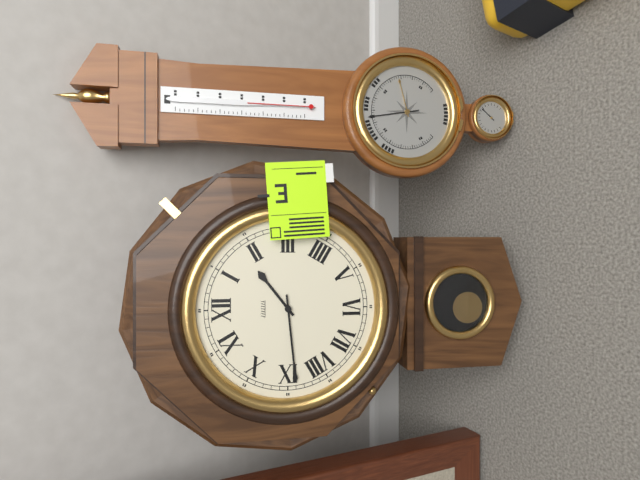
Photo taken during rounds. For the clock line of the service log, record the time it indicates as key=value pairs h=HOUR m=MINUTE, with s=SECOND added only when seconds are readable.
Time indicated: h=1 m=44
